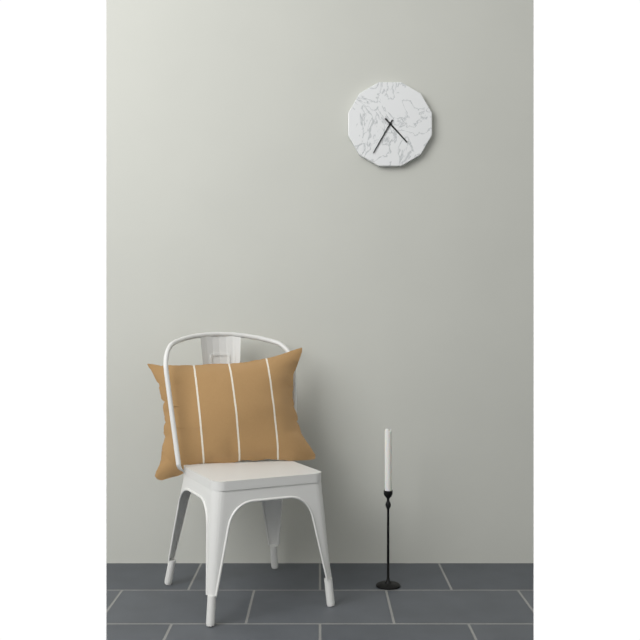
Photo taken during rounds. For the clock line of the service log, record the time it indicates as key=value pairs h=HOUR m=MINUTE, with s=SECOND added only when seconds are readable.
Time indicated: h=4 m=35
